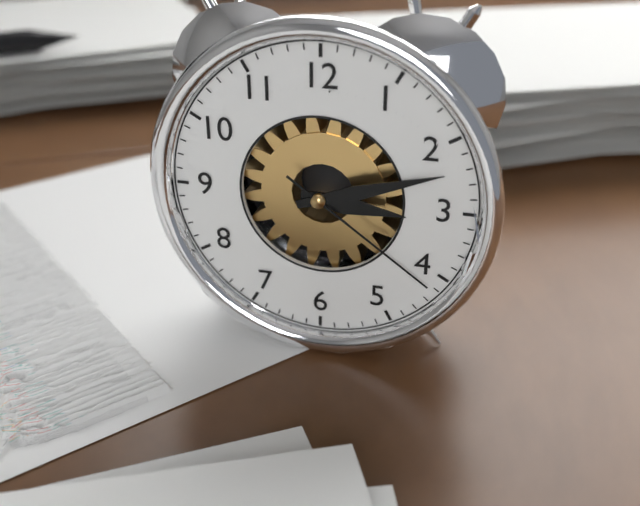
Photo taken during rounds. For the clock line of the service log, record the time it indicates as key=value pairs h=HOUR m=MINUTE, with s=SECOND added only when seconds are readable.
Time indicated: h=3 m=12 s=21
